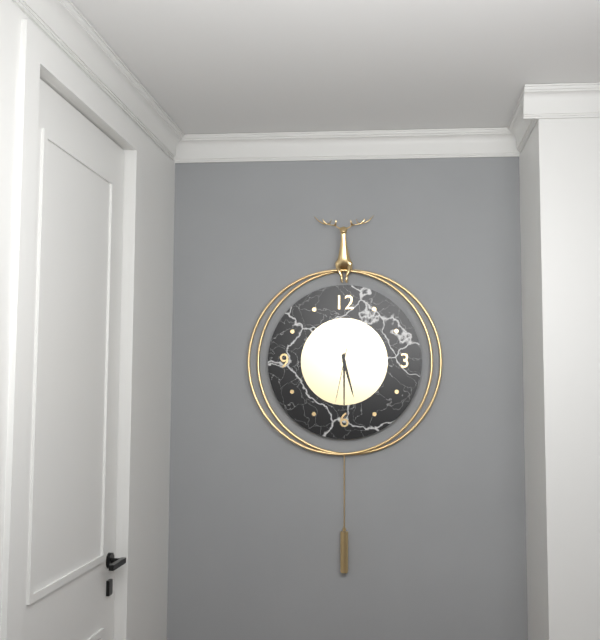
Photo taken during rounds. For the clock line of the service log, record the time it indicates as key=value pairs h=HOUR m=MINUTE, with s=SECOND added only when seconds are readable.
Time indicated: h=5 m=30 s=32
